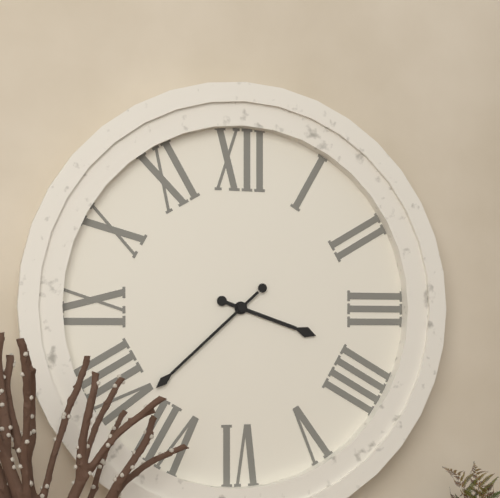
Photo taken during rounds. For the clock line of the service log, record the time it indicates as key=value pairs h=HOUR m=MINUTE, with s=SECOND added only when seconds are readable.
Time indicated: h=3 m=38
